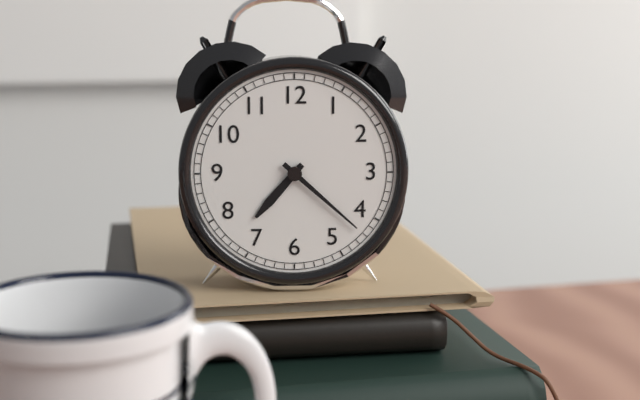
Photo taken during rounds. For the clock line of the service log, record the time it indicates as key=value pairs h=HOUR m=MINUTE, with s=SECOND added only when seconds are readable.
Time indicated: h=7 m=22
